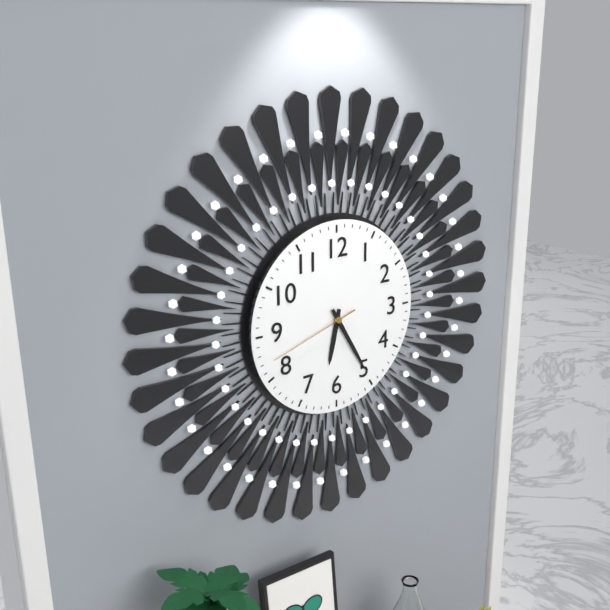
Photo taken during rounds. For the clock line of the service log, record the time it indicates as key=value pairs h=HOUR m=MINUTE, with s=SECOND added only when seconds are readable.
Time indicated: h=6 m=25 s=42
